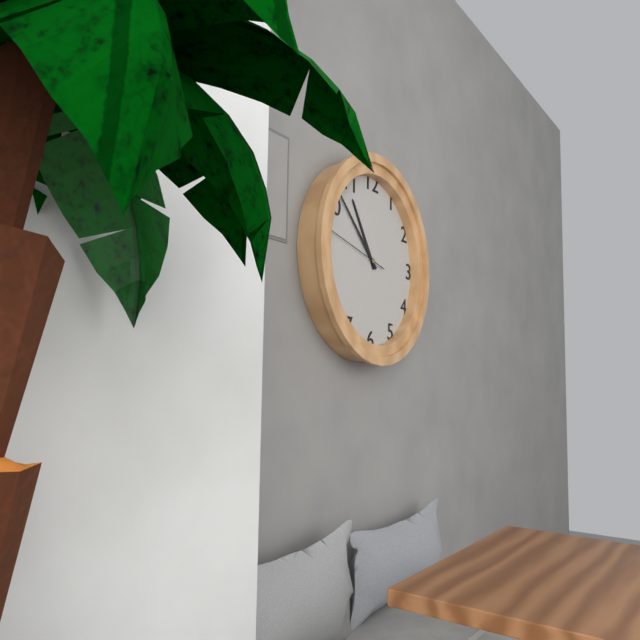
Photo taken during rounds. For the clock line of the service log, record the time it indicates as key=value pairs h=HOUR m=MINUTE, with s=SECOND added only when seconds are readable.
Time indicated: h=10 m=52 s=47
